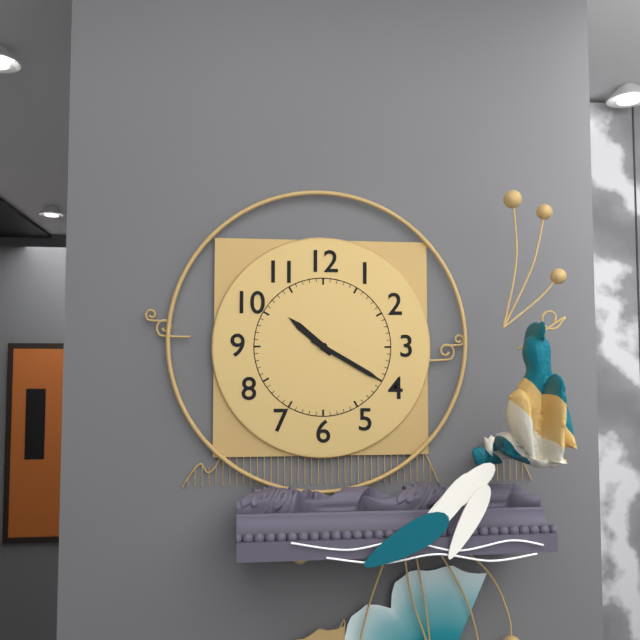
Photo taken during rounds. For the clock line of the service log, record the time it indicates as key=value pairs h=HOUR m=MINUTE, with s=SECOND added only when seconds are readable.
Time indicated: h=10 m=20
